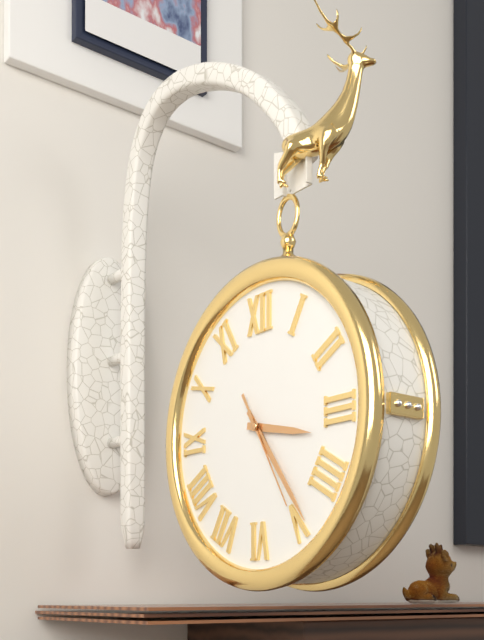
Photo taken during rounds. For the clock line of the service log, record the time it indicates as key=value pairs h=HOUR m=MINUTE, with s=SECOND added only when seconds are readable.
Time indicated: h=3 m=24 s=25
